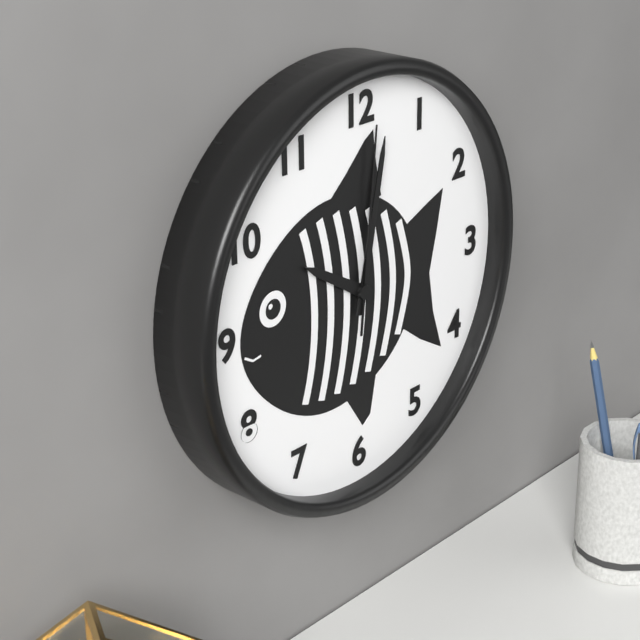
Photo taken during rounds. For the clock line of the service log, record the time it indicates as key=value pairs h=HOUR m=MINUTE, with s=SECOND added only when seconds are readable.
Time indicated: h=10 m=2 s=1
